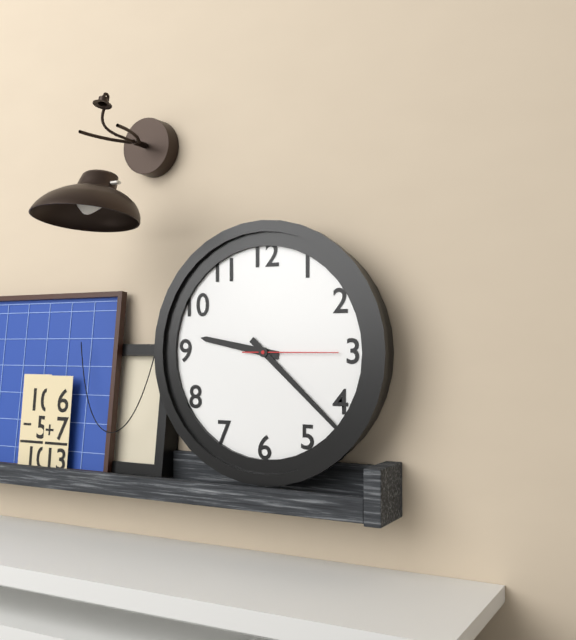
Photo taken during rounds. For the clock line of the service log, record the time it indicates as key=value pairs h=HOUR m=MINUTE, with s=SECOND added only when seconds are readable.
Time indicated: h=9 m=22 s=15
